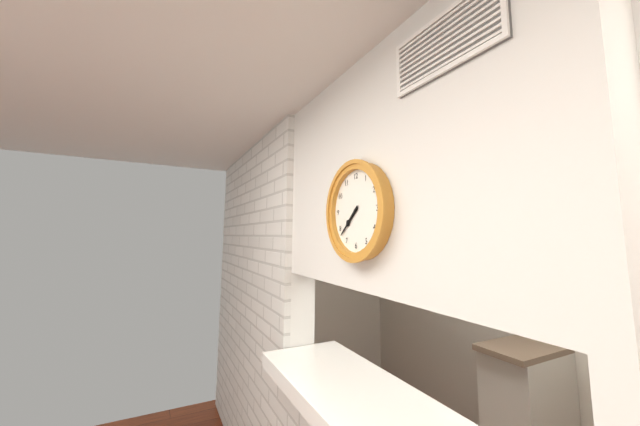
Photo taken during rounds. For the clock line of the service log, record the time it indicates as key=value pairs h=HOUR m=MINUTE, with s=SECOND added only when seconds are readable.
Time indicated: h=7 m=38
